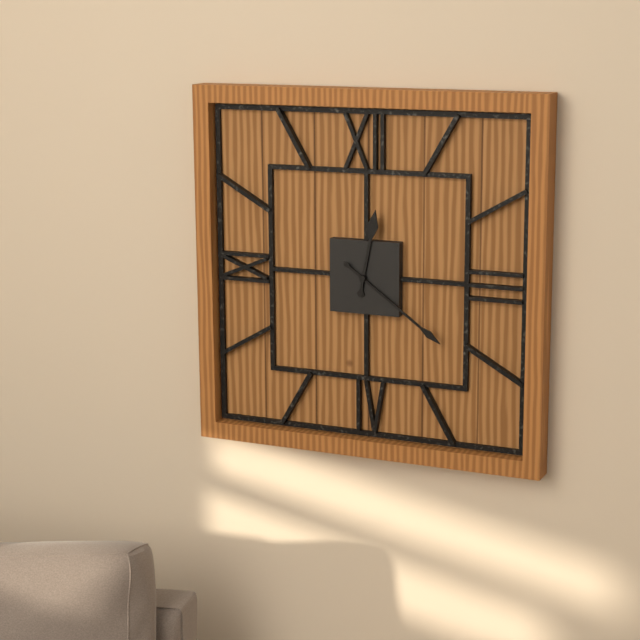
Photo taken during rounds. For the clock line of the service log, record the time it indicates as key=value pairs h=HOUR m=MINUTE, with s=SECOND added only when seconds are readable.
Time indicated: h=12 m=21
